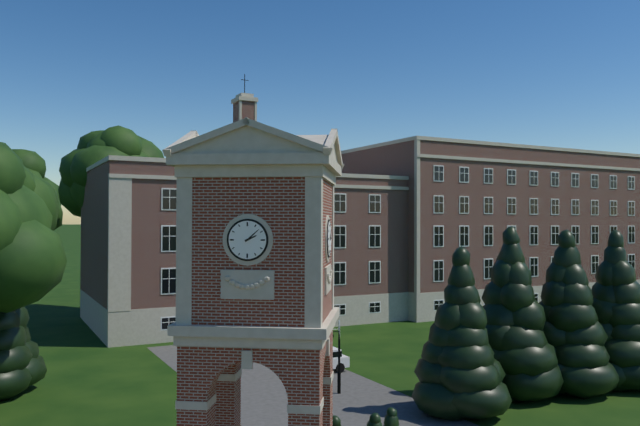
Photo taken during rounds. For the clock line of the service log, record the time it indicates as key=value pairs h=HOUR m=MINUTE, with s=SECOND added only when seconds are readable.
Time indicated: h=2 m=8
